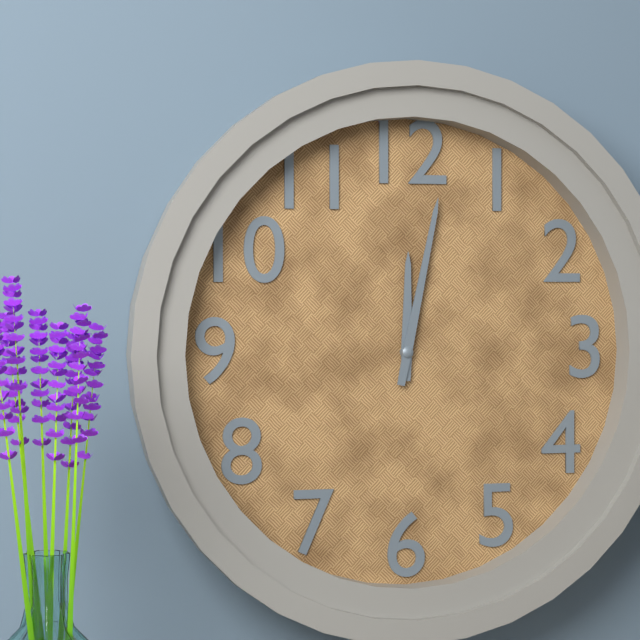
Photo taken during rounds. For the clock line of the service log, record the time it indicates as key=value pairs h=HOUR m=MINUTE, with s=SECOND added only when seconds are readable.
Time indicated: h=12 m=2
